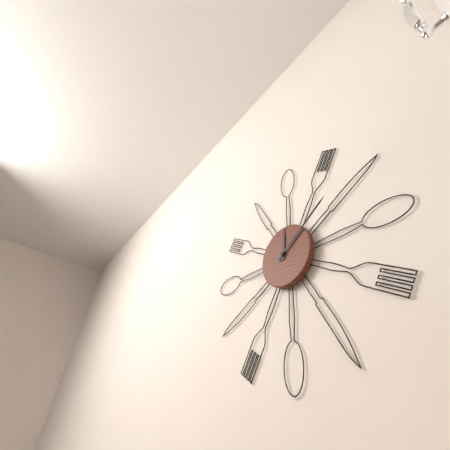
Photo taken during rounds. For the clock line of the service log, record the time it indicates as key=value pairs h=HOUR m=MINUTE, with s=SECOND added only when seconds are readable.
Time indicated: h=12 m=9
